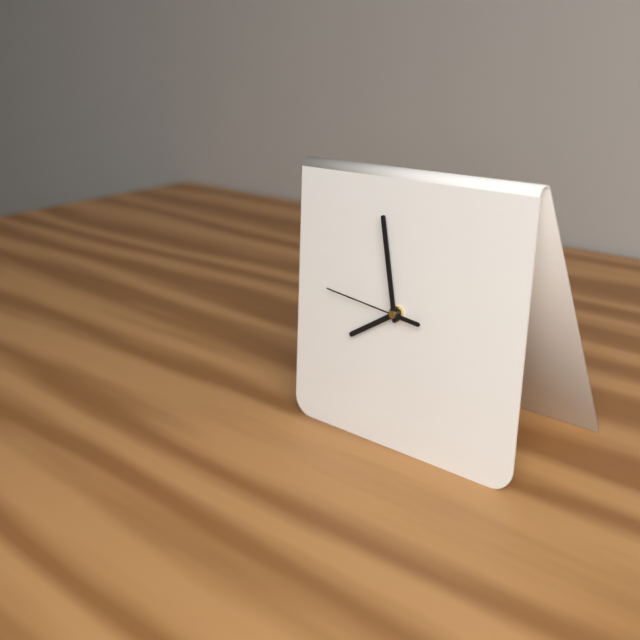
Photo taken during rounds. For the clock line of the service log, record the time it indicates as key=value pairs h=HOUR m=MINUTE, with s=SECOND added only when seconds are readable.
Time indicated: h=7 m=58 s=46
